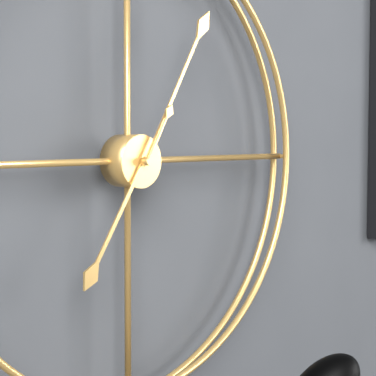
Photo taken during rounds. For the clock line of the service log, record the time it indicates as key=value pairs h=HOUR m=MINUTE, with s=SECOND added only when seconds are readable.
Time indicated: h=7 m=5 s=5
